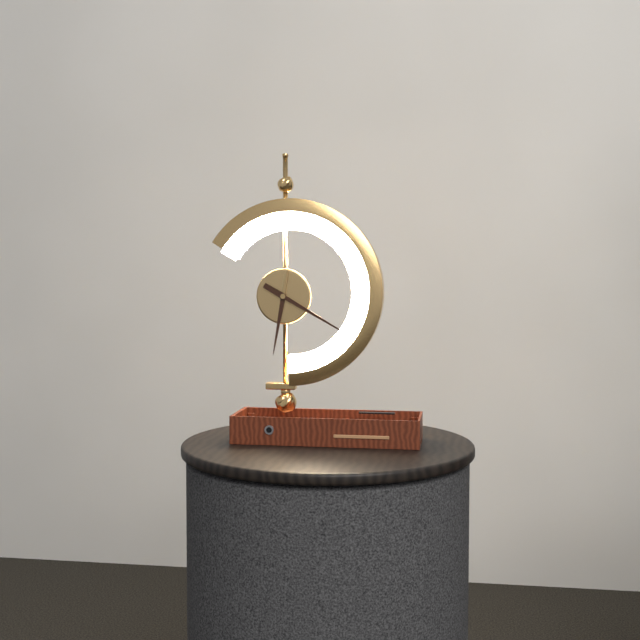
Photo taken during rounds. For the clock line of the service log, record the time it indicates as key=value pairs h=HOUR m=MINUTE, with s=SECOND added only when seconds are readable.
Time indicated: h=6 m=20
